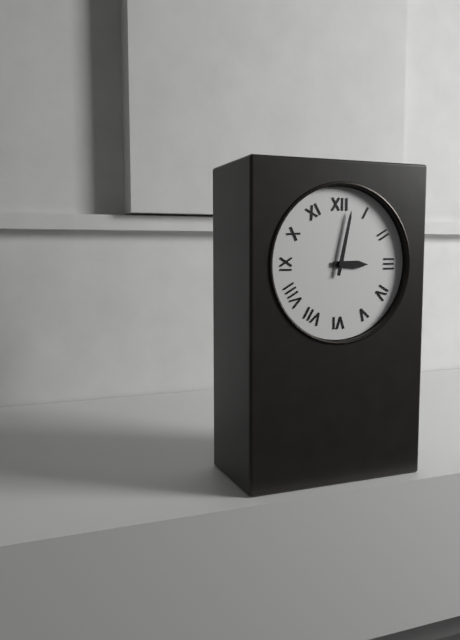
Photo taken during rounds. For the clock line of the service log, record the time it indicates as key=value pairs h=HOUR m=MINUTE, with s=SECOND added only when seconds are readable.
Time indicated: h=3 m=2
